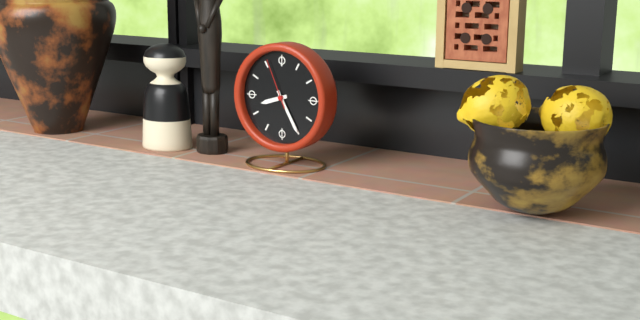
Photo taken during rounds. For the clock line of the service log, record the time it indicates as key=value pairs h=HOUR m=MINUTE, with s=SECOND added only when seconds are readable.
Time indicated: h=8 m=25 s=56
